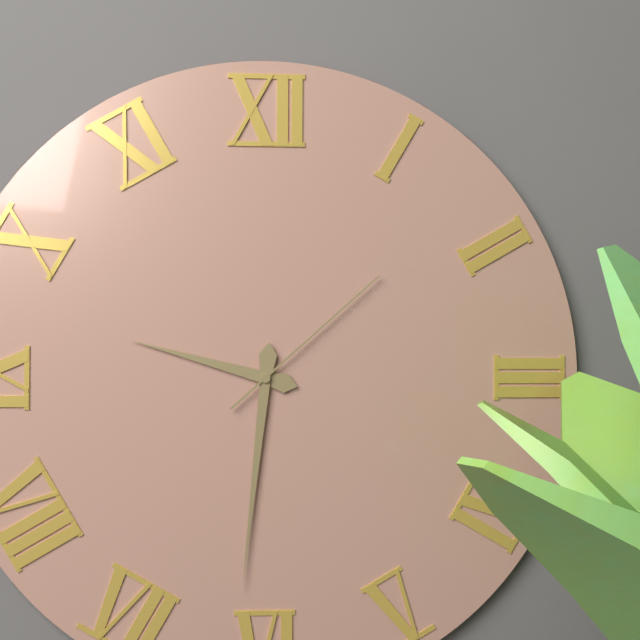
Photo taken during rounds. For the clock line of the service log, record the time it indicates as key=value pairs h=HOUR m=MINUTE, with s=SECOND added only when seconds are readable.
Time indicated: h=9 m=31 s=8
